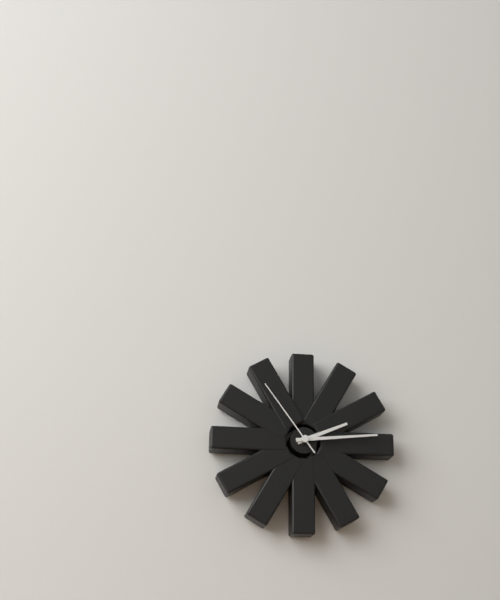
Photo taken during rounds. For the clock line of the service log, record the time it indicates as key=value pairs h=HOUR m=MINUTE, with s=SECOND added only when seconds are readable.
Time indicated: h=2 m=14 s=54
